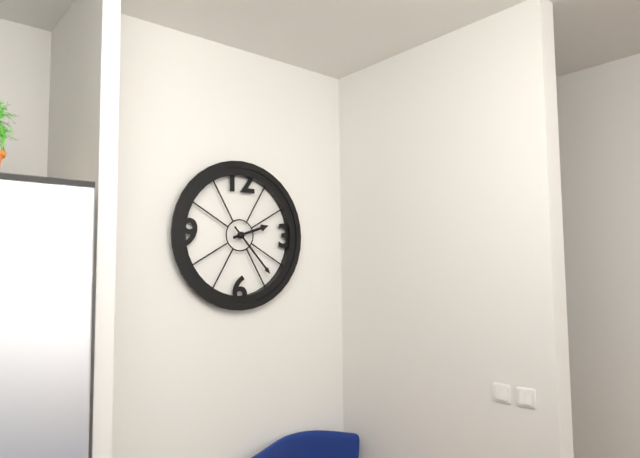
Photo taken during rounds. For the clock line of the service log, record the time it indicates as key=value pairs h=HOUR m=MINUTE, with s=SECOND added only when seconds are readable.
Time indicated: h=2 m=23
